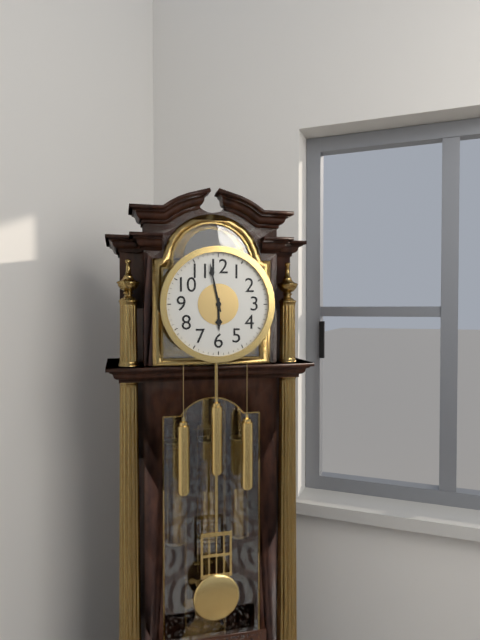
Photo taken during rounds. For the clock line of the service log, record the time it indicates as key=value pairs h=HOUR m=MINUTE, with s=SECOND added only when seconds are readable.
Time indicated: h=5 m=58
